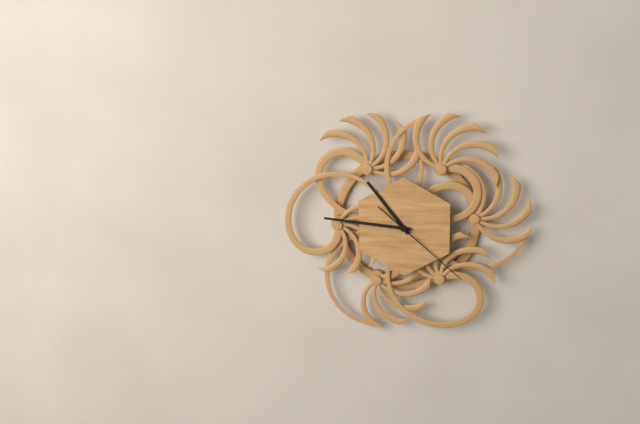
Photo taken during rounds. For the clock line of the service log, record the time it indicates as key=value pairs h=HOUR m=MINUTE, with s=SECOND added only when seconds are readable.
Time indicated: h=10 m=46 s=22
